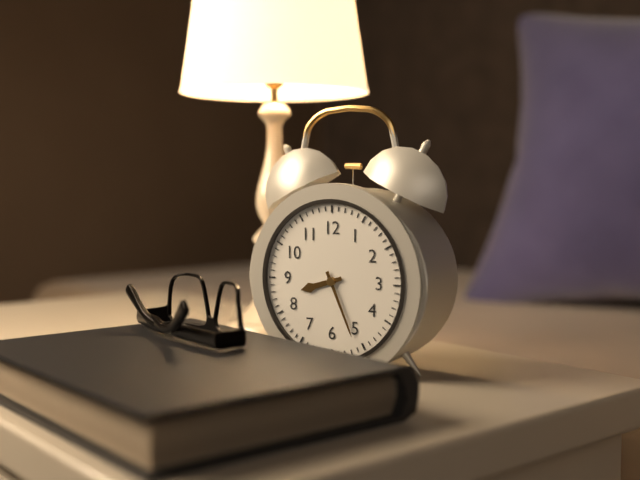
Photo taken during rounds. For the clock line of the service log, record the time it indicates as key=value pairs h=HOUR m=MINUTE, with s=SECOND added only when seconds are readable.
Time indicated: h=8 m=26
